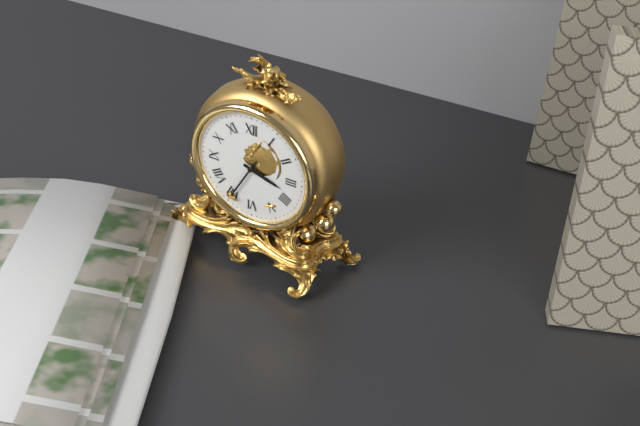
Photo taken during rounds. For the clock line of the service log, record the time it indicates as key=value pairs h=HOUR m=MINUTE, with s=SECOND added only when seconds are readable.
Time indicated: h=3 m=35
